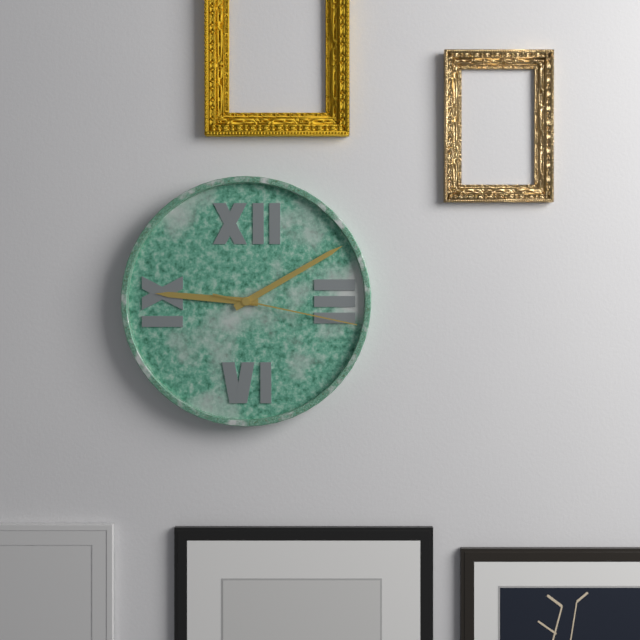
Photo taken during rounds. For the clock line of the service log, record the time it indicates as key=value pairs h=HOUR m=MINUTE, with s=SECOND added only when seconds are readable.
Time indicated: h=9 m=10 s=17
